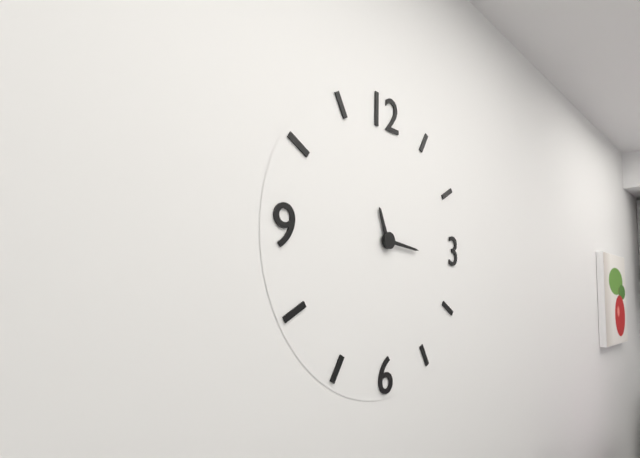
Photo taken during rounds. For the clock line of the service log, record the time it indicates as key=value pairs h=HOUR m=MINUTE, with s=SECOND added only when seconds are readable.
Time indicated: h=11 m=16
